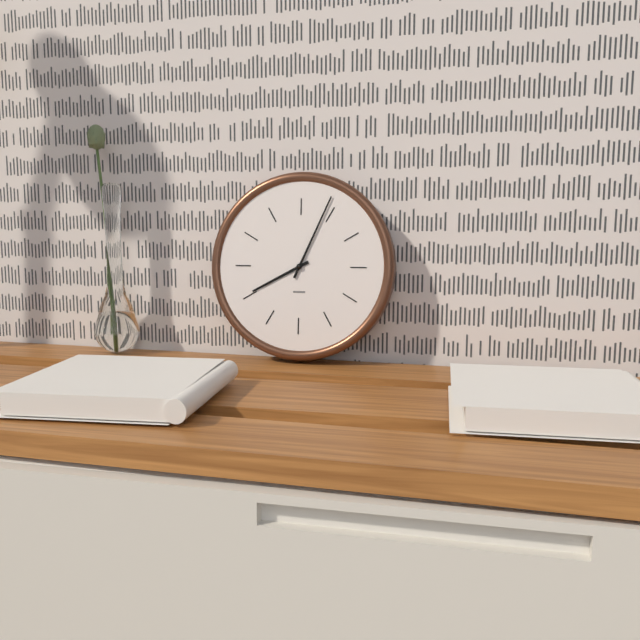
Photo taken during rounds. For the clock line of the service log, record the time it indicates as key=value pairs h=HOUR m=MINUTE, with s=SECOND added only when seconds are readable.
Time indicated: h=8 m=4
